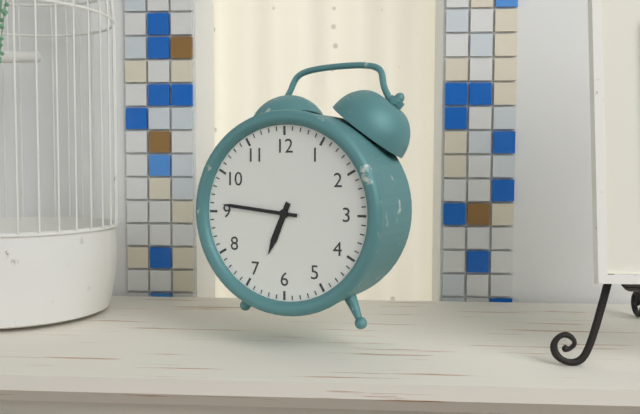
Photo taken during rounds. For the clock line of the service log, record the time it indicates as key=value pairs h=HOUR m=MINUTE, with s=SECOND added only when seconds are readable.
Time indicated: h=6 m=46
